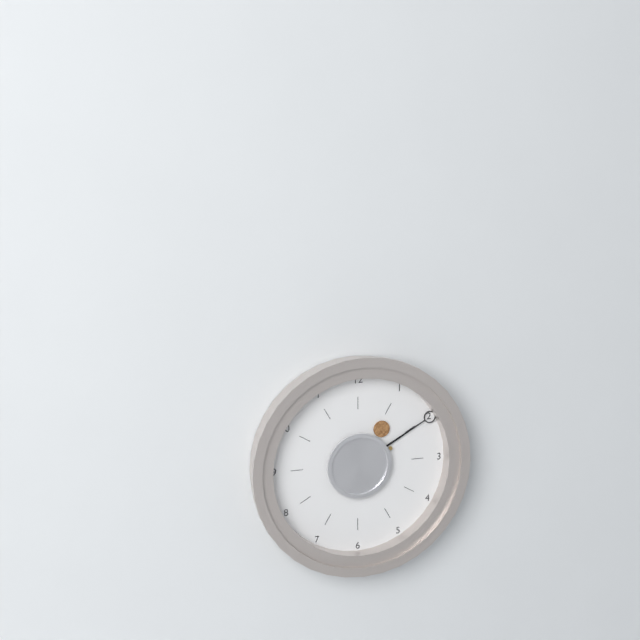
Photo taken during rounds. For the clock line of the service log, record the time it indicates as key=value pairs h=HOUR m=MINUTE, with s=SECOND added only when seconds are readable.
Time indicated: h=1 m=10
